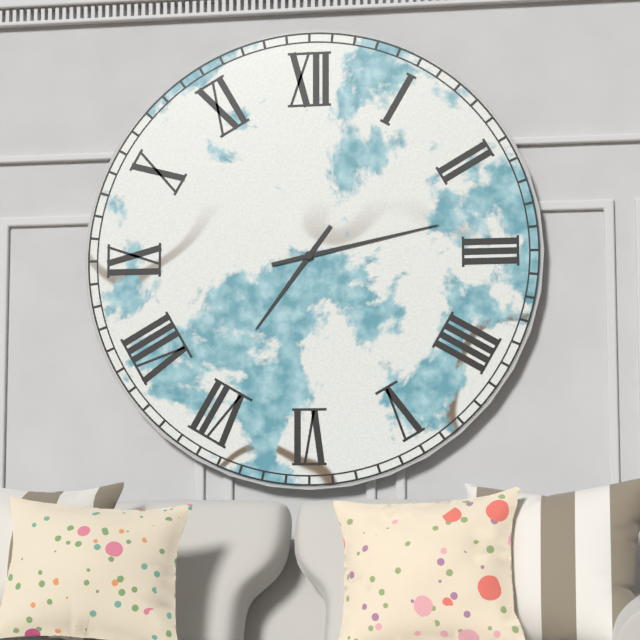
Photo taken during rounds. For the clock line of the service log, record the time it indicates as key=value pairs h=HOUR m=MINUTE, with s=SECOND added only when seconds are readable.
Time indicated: h=7 m=13
